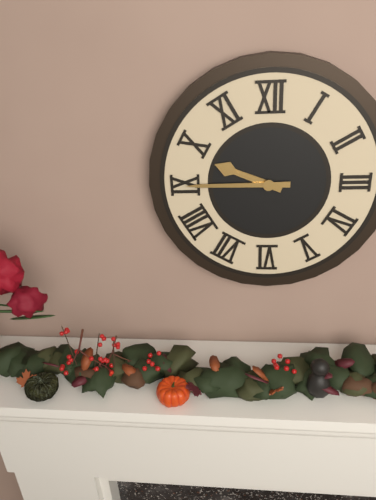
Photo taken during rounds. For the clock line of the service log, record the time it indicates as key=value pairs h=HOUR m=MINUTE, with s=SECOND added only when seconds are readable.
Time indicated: h=9 m=45
